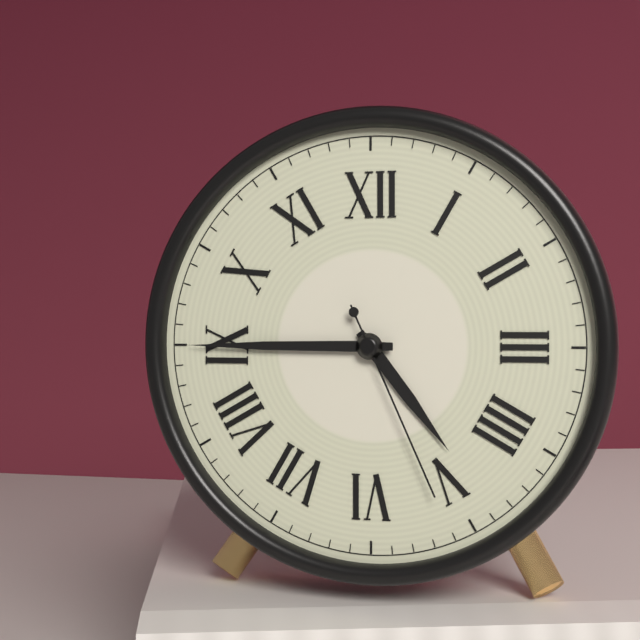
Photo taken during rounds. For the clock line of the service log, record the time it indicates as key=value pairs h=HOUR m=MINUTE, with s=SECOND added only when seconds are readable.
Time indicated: h=4 m=45 s=26
